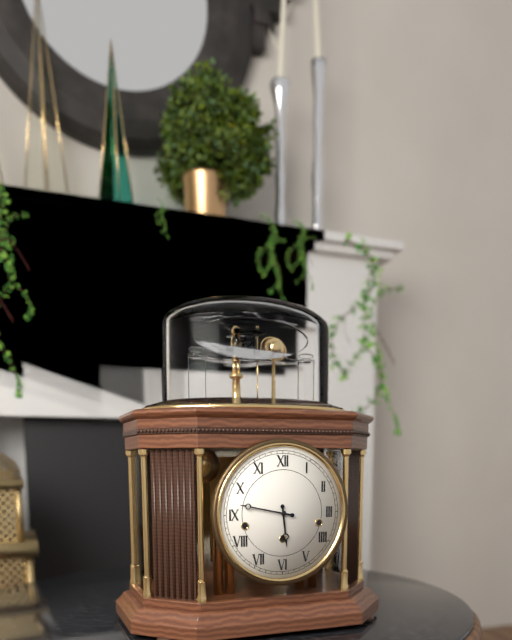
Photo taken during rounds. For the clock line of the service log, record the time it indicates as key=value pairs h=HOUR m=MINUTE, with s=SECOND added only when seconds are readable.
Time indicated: h=5 m=47
